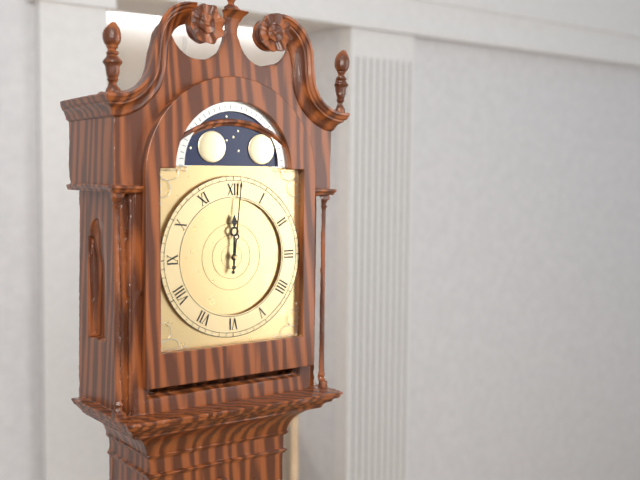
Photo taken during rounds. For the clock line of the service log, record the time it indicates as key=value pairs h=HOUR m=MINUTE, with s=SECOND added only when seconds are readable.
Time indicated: h=12 m=1
